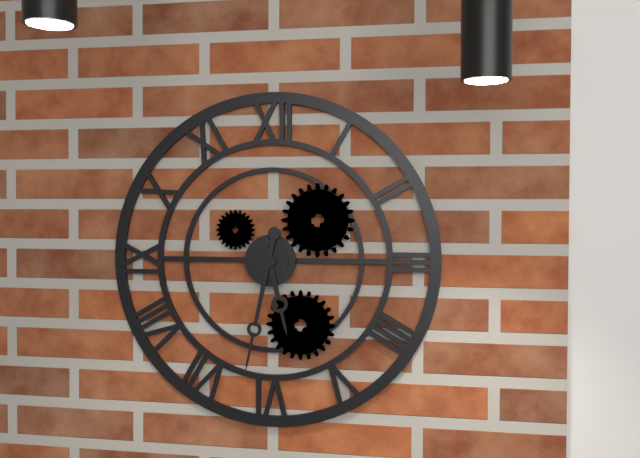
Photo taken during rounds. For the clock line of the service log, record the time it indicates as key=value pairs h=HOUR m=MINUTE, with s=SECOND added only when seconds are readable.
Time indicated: h=5 m=32
